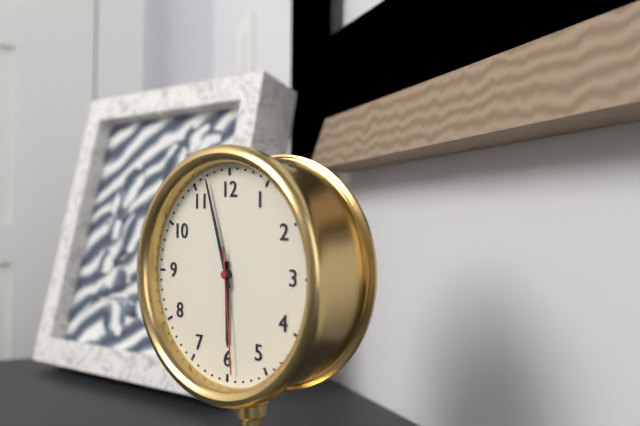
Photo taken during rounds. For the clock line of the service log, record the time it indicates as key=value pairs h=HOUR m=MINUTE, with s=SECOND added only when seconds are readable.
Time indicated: h=5 m=57 s=29
